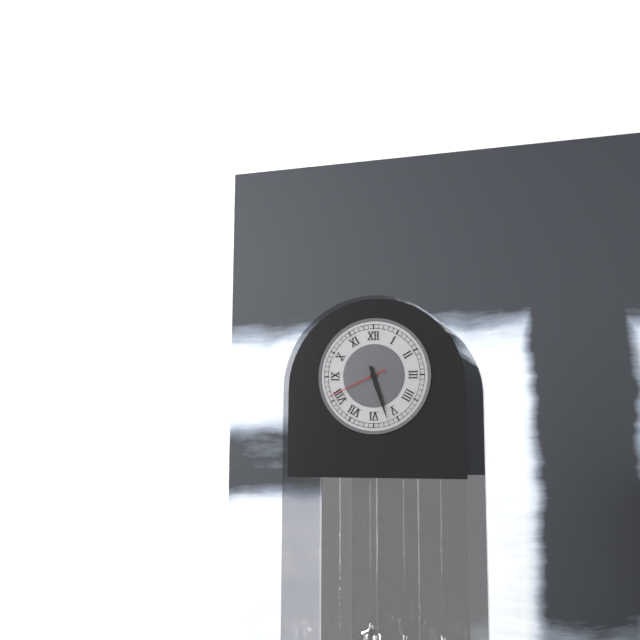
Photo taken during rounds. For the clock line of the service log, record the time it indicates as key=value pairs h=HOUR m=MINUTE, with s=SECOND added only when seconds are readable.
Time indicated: h=5 m=27 s=41
